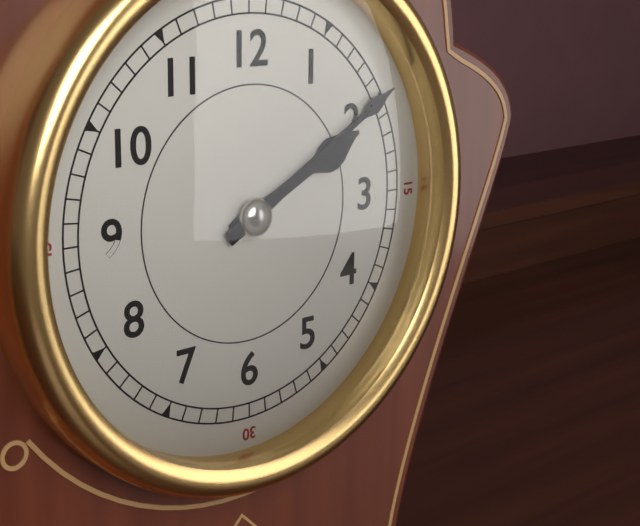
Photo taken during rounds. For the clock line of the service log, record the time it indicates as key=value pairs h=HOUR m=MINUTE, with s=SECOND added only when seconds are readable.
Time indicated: h=2 m=10
